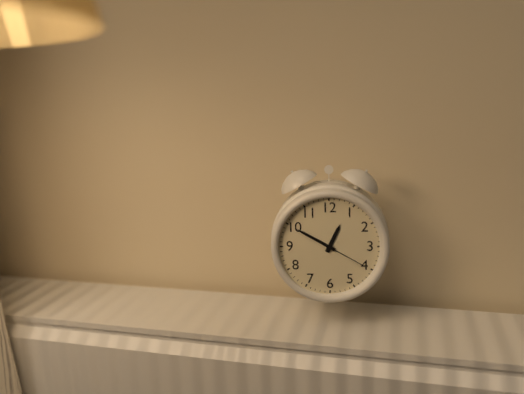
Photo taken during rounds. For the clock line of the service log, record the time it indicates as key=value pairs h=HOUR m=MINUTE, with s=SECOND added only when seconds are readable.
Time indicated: h=12 m=50 s=20
